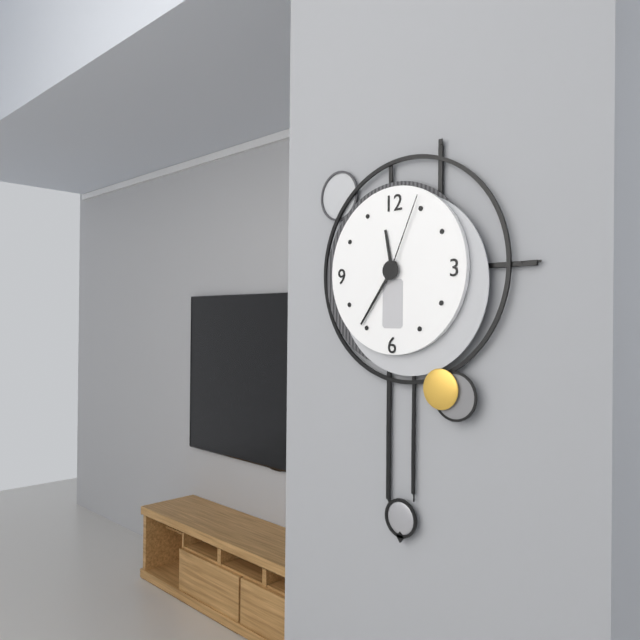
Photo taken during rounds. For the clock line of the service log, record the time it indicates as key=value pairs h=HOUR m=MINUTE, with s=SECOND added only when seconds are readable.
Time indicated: h=11 m=36 s=4
